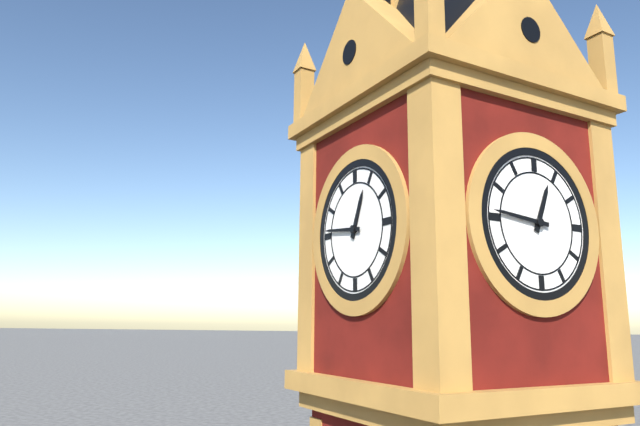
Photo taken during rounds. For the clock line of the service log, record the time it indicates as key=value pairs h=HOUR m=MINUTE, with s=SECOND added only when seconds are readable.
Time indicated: h=12 m=46
